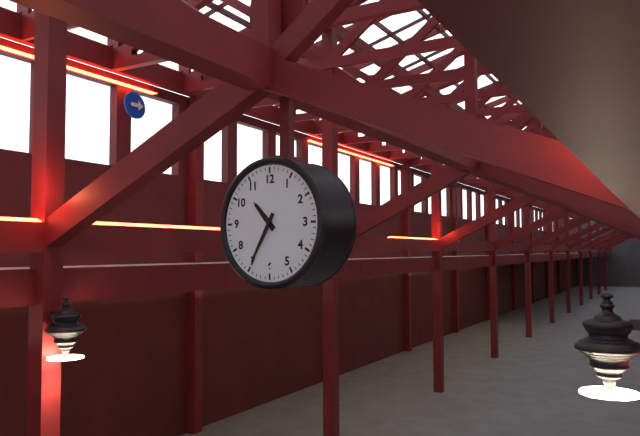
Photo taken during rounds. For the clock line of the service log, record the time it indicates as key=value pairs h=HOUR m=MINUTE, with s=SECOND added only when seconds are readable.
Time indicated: h=10 m=35
